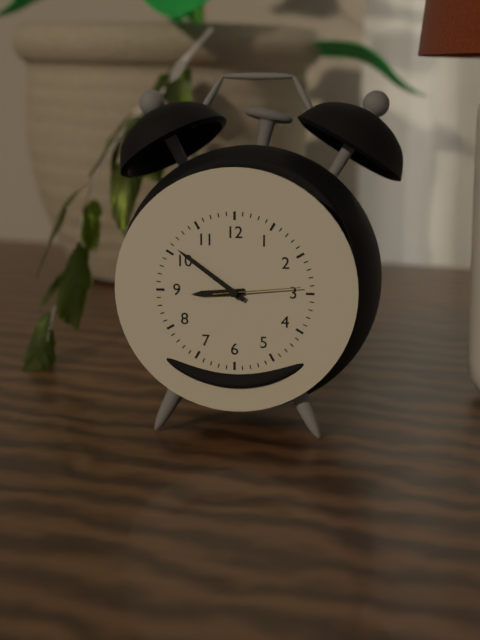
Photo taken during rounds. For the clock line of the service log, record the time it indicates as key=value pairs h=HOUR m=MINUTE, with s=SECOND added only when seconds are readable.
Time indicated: h=8 m=51 s=14
